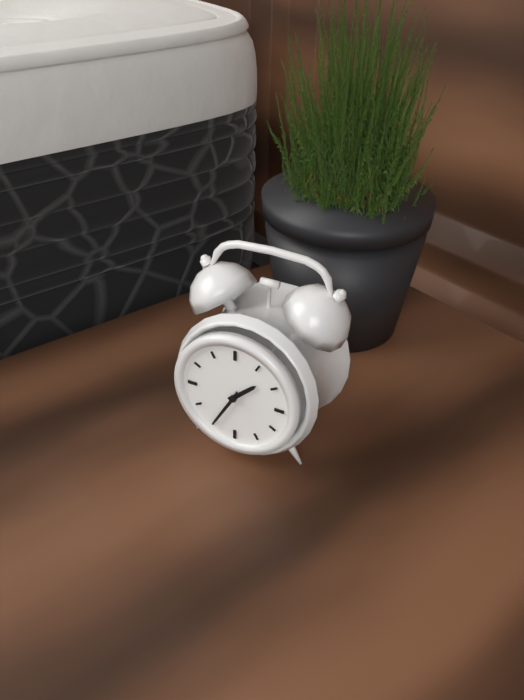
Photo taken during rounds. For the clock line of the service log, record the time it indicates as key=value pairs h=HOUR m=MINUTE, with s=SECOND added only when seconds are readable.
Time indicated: h=1 m=35
